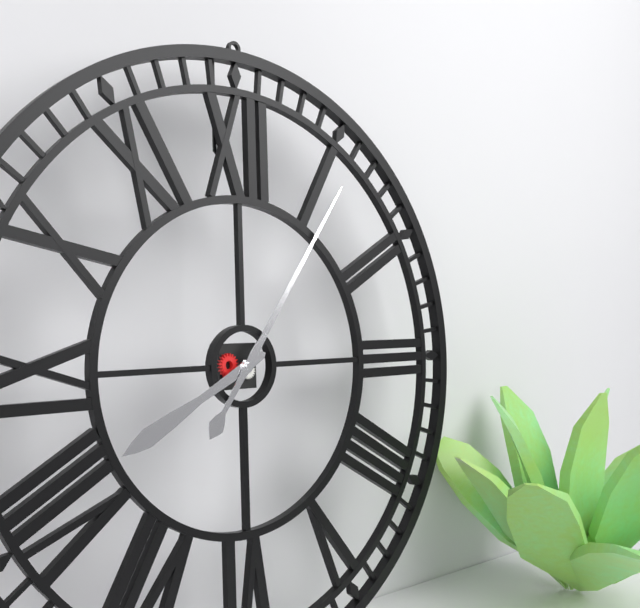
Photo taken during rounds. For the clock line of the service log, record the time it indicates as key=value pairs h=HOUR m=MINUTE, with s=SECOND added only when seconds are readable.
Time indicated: h=8 m=6
